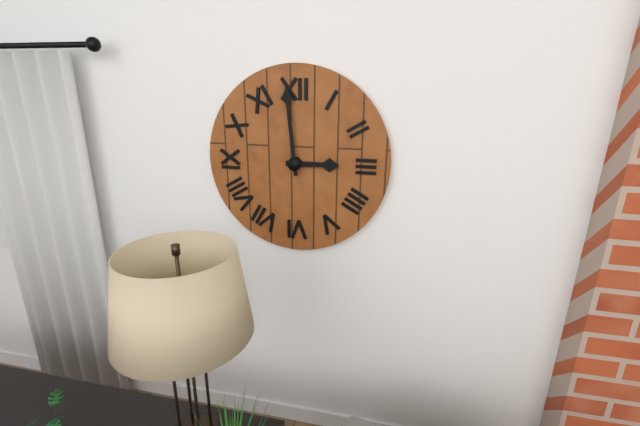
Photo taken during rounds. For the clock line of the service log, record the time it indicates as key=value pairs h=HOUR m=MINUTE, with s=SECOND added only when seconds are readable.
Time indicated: h=2 m=59
